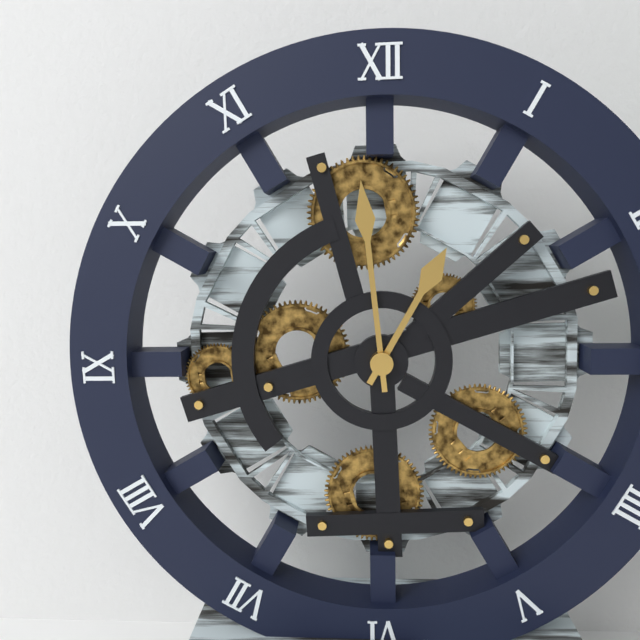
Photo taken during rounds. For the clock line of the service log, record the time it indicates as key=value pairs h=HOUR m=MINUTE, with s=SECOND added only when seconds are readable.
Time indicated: h=12 m=59
